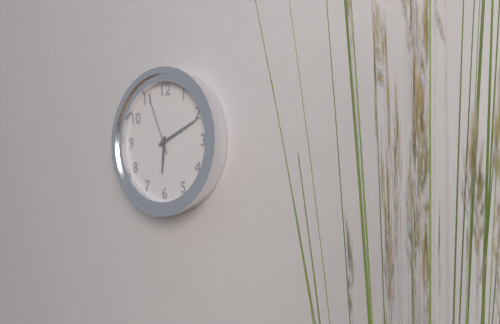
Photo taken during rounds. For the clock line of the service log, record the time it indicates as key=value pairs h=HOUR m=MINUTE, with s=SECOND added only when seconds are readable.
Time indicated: h=6 m=11 s=56
